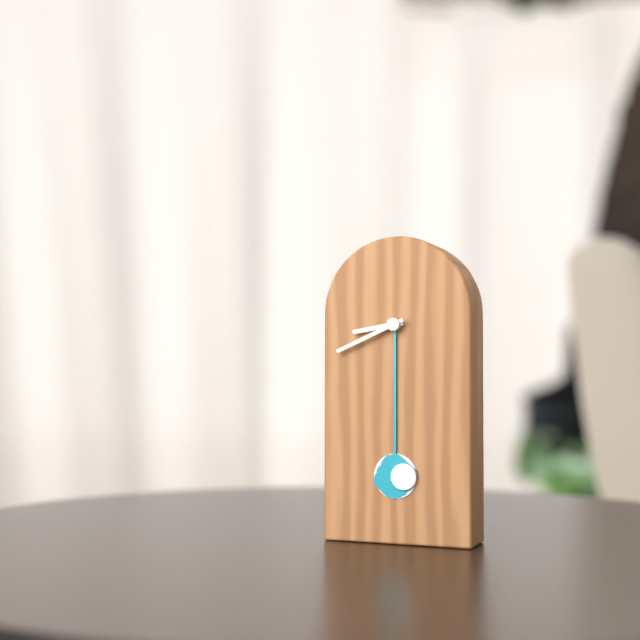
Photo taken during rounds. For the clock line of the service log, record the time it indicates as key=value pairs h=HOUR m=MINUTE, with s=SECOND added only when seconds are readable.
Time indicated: h=8 m=41
